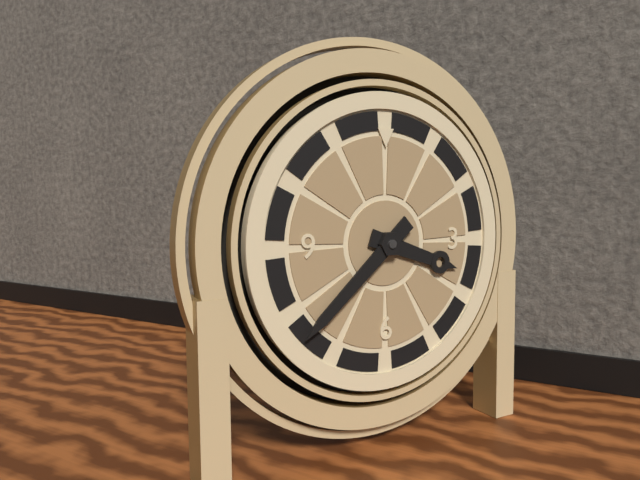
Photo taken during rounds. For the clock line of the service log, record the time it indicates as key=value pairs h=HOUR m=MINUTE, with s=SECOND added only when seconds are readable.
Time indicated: h=3 m=38
